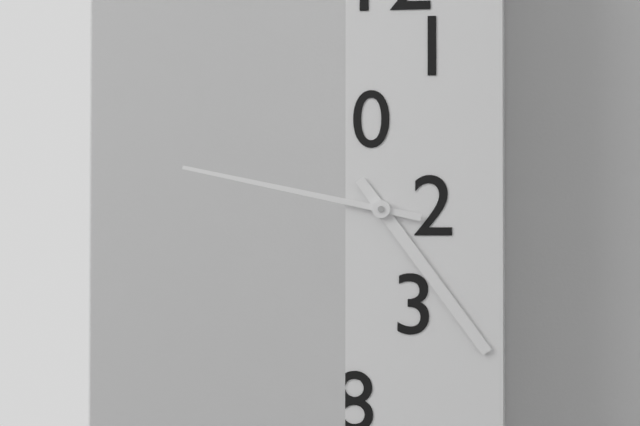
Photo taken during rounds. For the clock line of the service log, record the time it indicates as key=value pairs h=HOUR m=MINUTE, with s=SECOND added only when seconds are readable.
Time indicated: h=4 m=47
